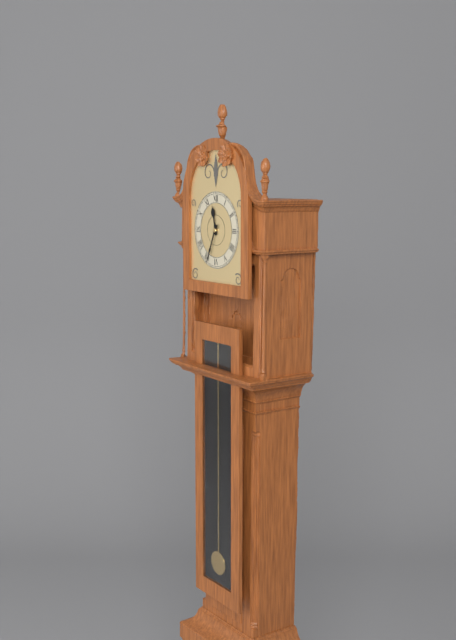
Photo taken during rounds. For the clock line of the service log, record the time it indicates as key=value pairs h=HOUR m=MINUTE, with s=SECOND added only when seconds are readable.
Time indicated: h=11 m=34
